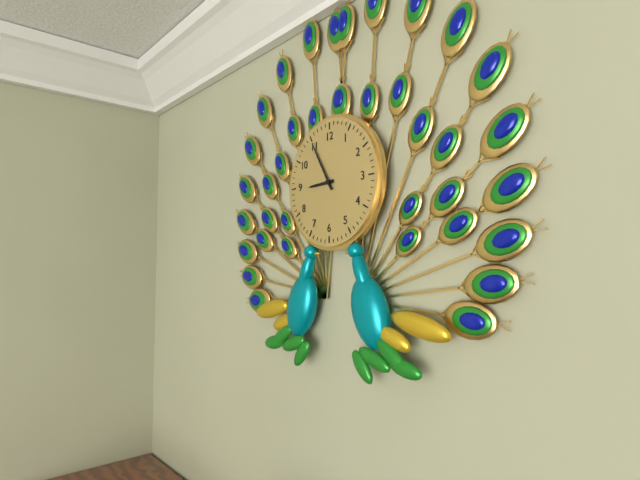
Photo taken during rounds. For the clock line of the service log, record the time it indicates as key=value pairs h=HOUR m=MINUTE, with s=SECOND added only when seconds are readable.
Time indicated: h=8 m=55
